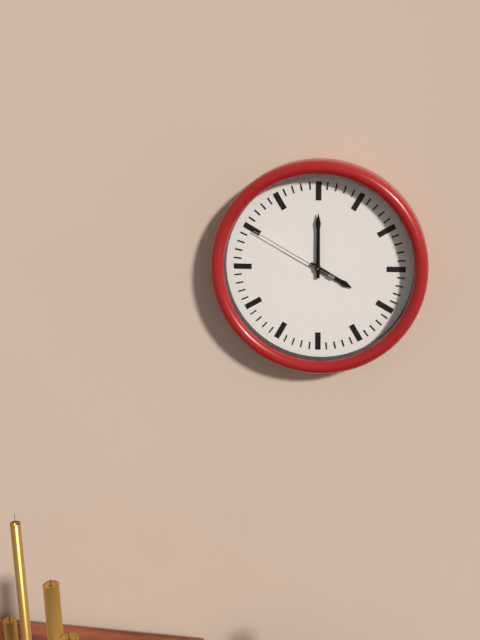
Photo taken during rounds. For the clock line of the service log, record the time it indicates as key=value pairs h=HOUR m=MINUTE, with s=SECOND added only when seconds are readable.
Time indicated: h=4 m=0 s=50
